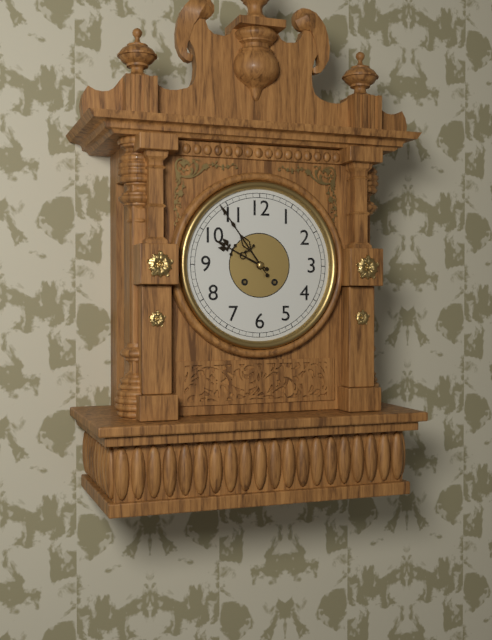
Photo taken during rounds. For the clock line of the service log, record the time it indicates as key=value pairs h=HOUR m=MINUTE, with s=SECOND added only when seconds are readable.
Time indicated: h=9 m=54
